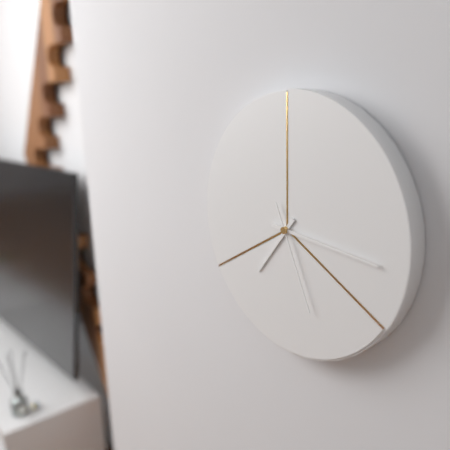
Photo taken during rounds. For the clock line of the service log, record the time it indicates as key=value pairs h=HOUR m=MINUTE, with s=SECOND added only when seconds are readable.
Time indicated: h=7 m=16 s=26
